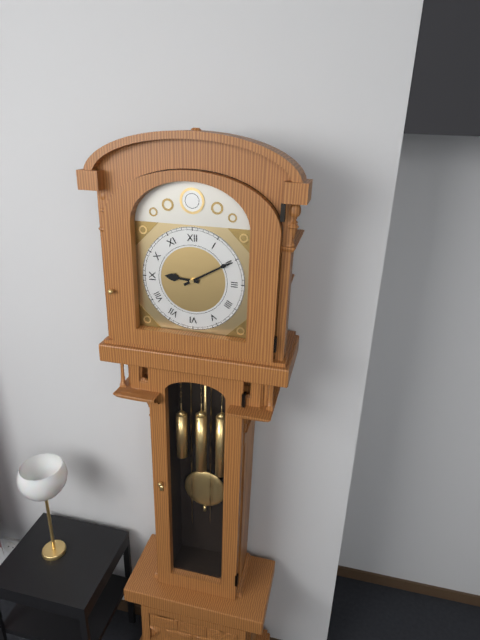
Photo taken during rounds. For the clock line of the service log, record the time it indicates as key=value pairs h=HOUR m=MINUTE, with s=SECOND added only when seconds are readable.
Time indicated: h=9 m=10
